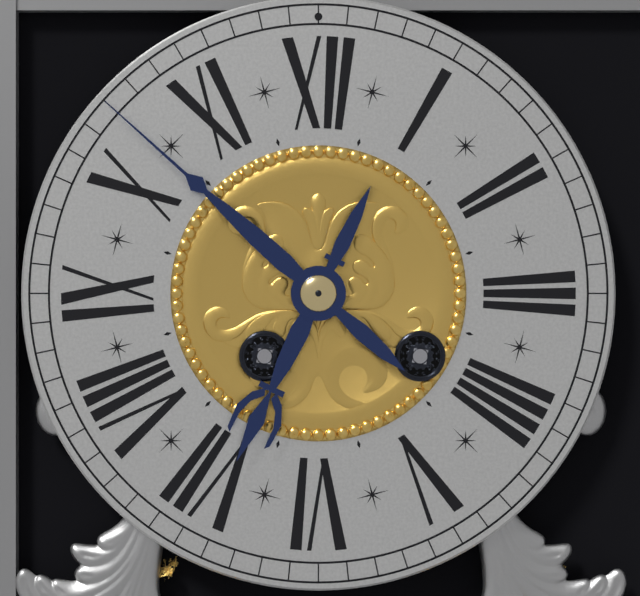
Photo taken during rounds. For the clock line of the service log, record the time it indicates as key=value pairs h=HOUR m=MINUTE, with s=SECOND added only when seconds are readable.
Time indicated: h=6 m=52
